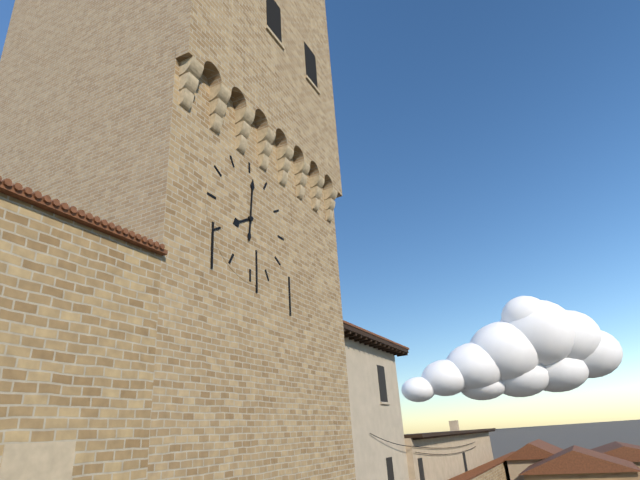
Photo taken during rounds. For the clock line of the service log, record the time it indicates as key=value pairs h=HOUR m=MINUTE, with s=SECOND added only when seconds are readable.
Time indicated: h=8 m=1
